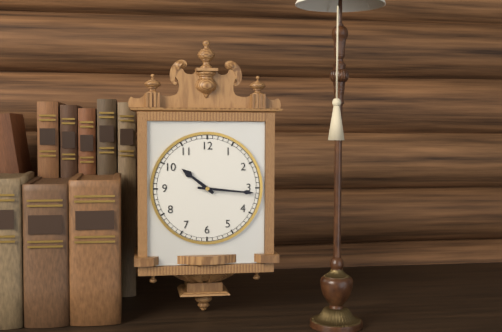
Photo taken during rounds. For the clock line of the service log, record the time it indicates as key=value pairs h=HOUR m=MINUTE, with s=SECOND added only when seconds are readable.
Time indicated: h=10 m=16
